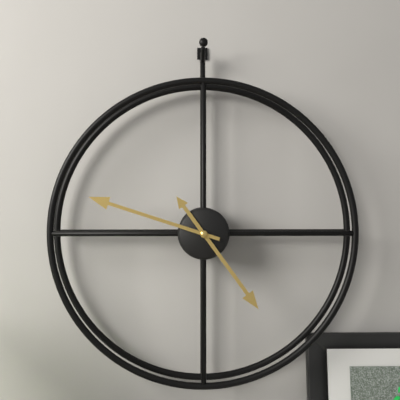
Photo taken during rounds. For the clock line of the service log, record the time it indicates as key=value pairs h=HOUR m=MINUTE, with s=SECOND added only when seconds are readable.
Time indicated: h=4 m=48
